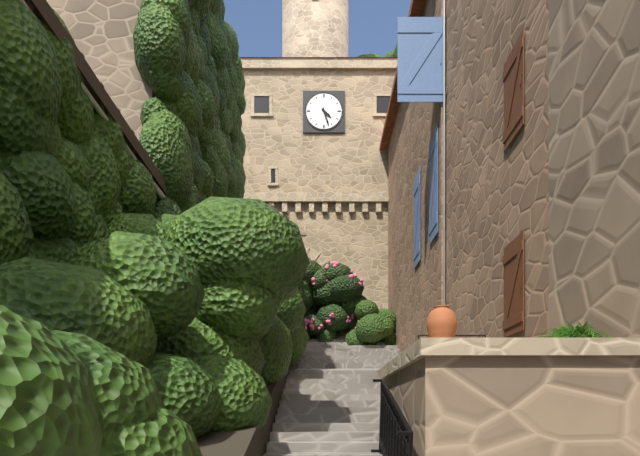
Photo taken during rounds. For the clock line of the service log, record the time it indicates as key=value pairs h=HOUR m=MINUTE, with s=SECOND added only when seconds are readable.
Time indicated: h=4 m=27
